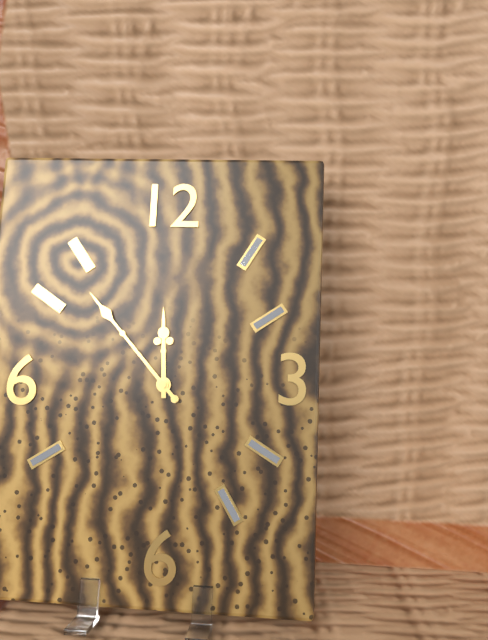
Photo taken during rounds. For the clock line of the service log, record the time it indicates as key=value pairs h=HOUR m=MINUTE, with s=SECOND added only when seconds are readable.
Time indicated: h=11 m=53
